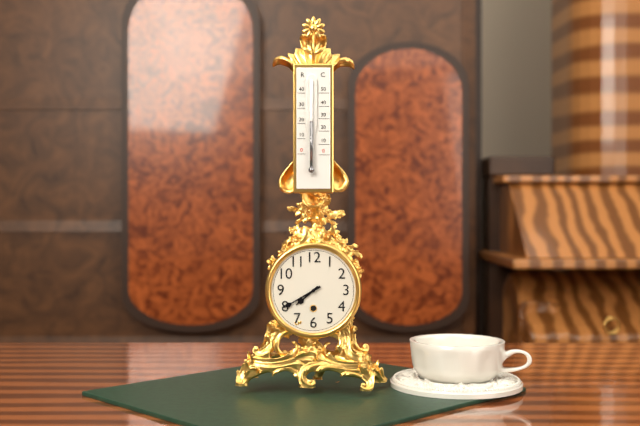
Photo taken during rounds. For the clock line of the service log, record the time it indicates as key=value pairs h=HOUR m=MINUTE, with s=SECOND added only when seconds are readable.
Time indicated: h=7 m=40
